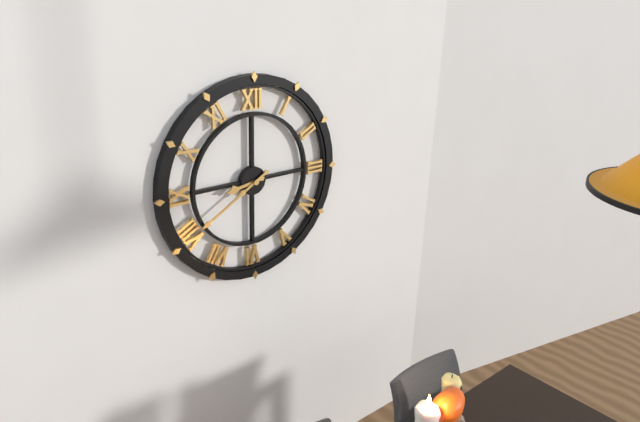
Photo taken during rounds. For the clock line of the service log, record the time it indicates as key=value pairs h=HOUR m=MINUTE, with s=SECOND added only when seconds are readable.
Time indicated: h=8 m=40
